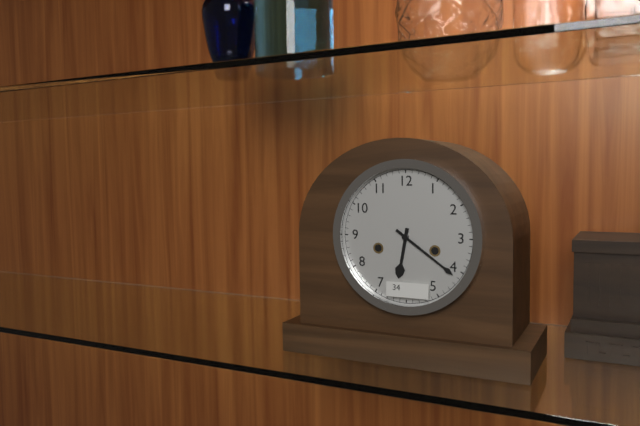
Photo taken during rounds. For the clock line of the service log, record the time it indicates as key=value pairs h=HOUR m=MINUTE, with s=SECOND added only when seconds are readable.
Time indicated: h=6 m=21
